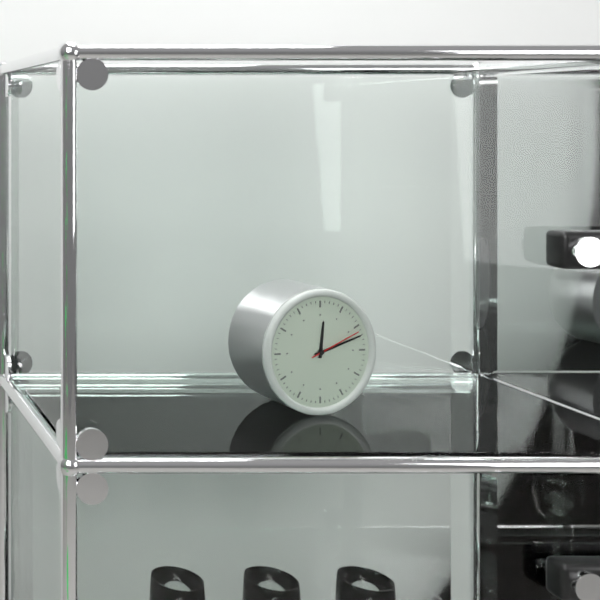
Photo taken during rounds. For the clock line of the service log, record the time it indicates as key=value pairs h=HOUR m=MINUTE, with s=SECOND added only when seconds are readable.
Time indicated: h=12 m=12 s=11
